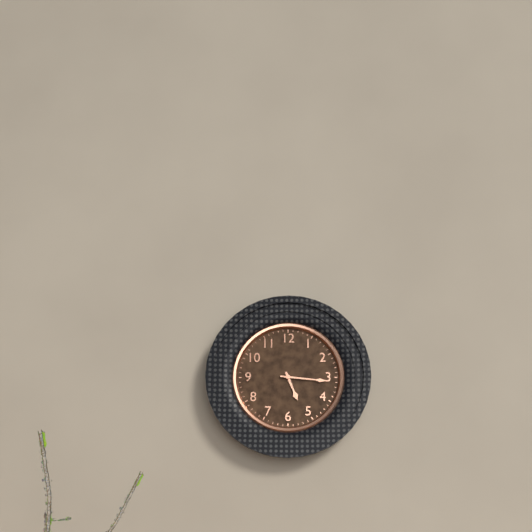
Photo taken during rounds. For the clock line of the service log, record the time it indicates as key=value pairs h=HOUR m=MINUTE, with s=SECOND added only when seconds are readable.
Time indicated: h=5 m=16
